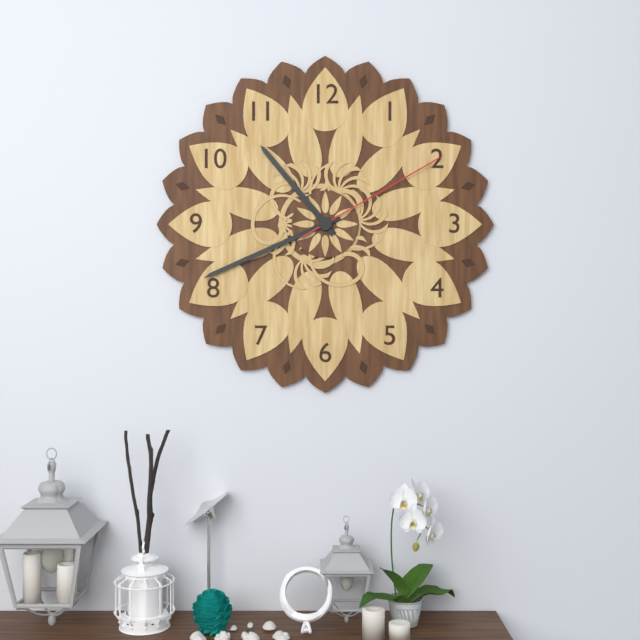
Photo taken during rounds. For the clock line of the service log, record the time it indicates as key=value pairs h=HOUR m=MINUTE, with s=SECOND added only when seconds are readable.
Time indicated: h=10 m=41 s=10
